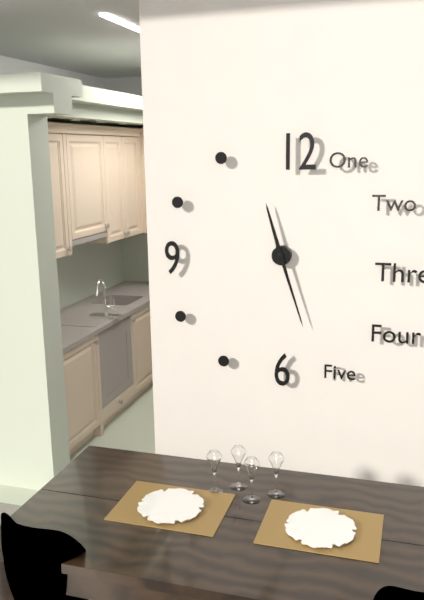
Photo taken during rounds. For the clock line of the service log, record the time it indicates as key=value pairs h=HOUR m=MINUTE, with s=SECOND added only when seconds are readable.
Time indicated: h=11 m=27
